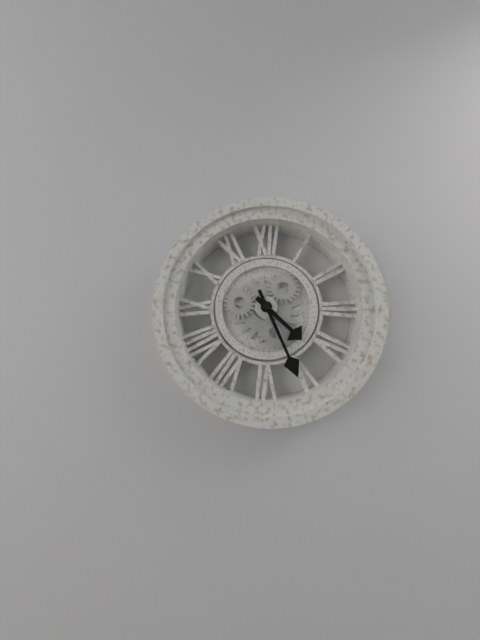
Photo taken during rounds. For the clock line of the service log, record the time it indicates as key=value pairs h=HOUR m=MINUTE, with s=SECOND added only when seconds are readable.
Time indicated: h=4 m=26
